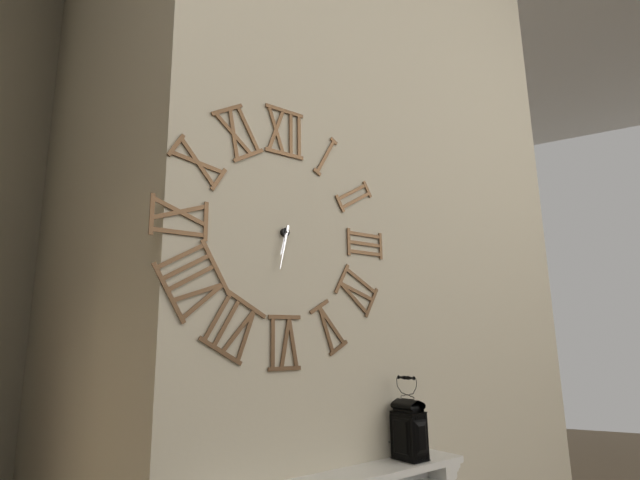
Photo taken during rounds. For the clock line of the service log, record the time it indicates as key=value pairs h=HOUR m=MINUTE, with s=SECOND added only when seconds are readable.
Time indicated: h=6 m=32
